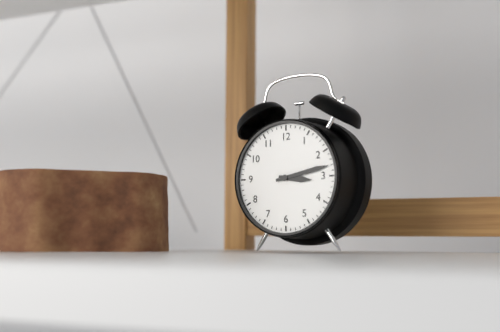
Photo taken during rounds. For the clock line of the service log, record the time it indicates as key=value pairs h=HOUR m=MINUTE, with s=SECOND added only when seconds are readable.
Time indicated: h=3 m=13
